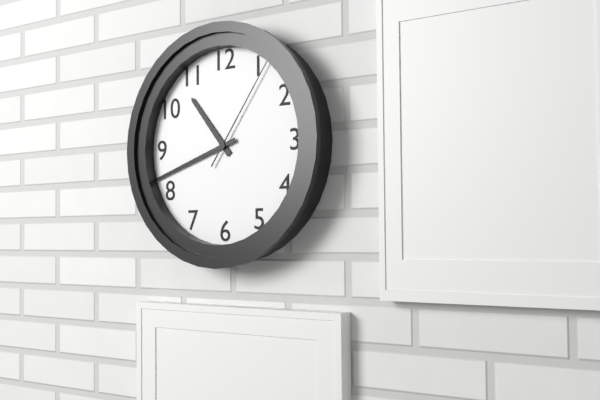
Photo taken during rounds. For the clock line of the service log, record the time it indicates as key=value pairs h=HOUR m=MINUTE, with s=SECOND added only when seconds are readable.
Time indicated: h=10 m=42 s=6
